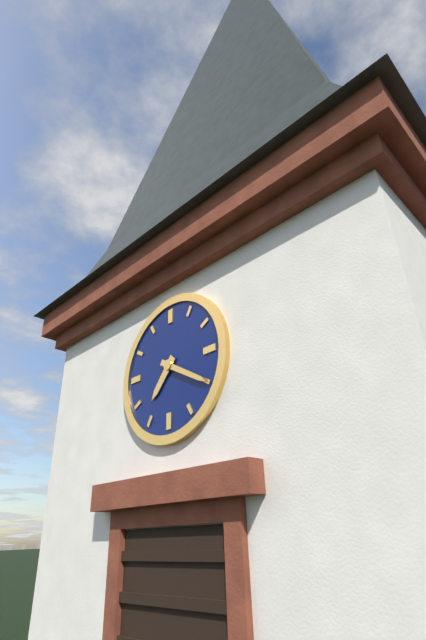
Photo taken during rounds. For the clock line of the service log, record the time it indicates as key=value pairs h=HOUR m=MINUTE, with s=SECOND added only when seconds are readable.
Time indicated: h=7 m=20
